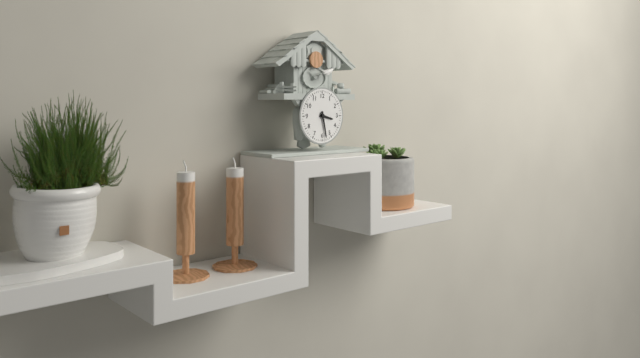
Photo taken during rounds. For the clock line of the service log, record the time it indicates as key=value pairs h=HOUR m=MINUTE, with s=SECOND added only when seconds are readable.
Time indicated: h=3 m=28
